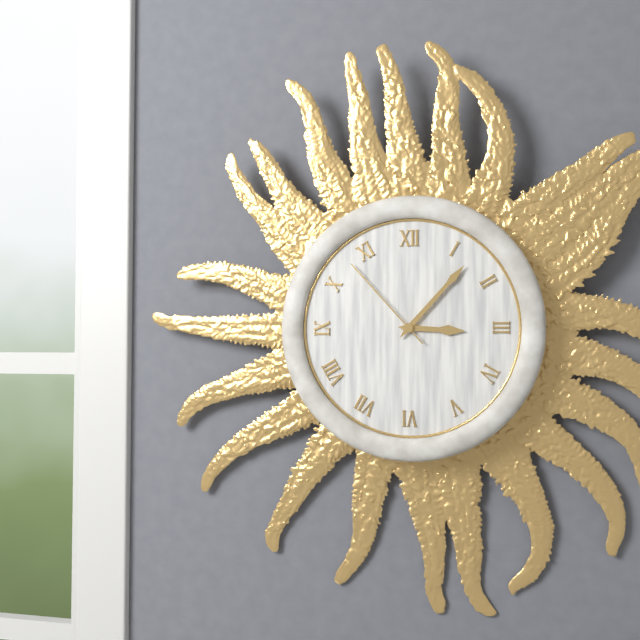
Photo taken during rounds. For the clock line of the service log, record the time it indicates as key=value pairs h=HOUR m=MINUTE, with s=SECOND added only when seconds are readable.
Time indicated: h=3 m=7 s=53
